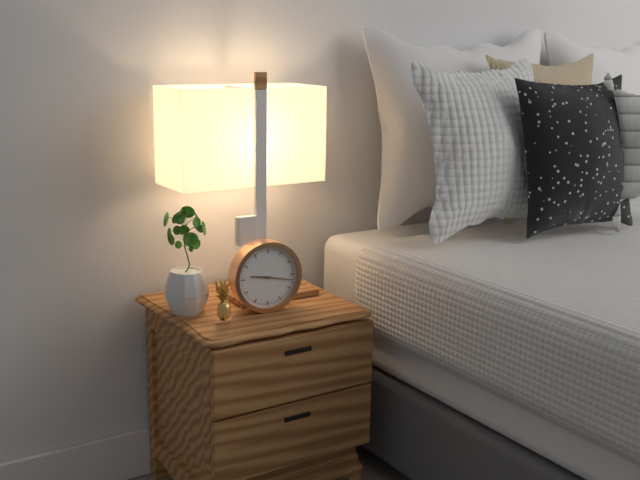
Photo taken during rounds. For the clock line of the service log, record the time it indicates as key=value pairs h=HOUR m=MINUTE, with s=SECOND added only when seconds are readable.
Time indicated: h=9 m=17
